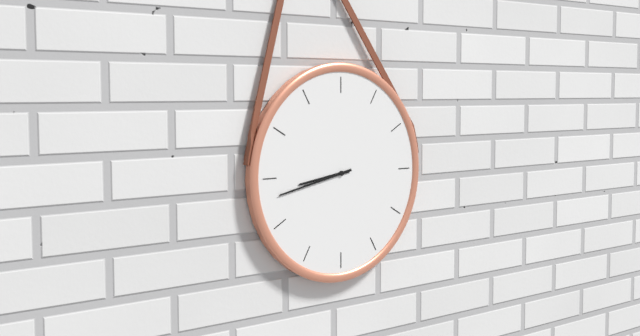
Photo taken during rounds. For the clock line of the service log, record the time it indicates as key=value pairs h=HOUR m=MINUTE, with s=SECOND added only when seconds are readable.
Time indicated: h=8 m=43
